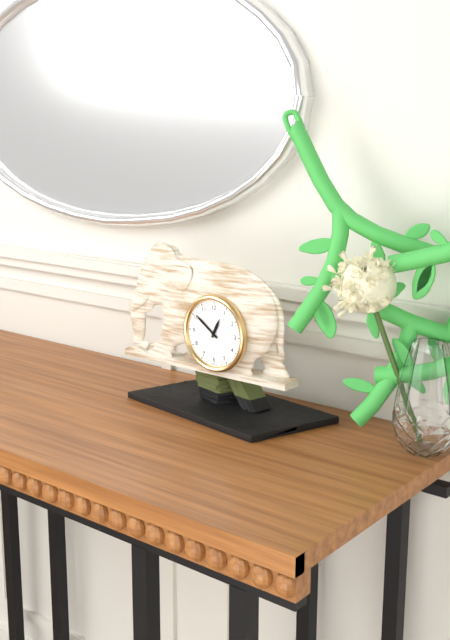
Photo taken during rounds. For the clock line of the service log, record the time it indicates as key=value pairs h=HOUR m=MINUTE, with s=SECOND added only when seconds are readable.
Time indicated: h=12 m=51
